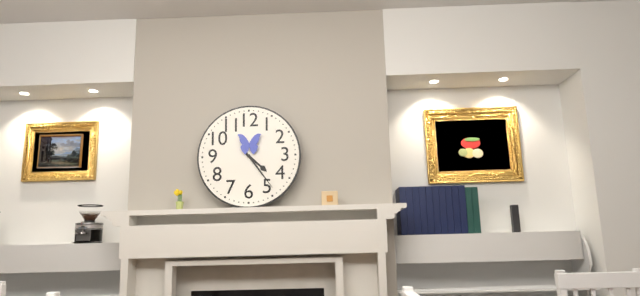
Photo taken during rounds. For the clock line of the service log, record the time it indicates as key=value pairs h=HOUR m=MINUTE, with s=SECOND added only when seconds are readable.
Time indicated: h=4 m=24
